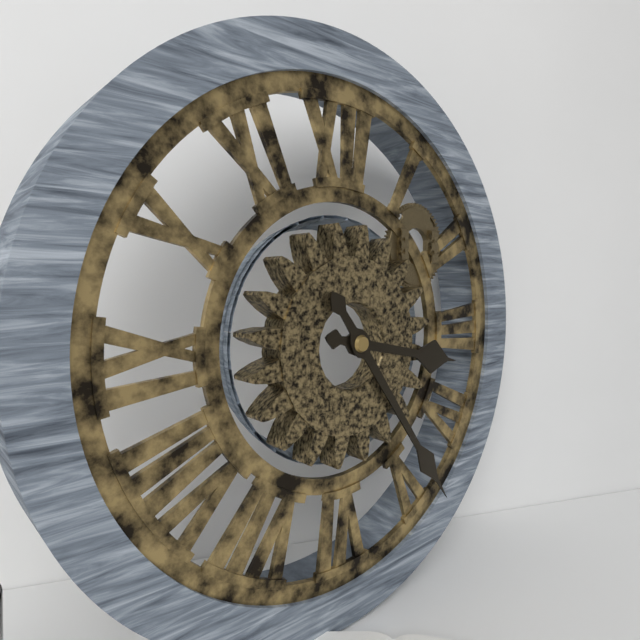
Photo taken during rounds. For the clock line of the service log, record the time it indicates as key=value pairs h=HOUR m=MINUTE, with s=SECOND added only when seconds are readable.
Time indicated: h=3 m=24
